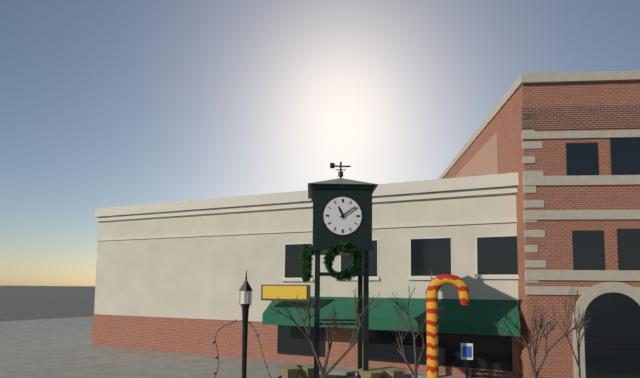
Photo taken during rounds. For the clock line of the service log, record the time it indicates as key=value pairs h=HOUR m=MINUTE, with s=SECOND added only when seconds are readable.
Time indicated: h=11 m=9
